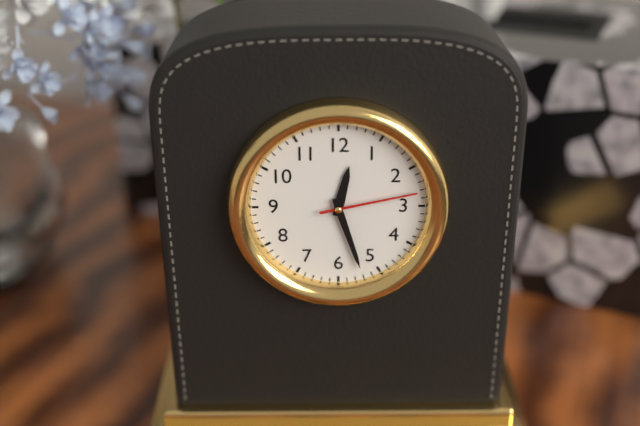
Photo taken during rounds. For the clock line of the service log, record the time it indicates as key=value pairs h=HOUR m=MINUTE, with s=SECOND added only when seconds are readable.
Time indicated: h=12 m=27 s=13
